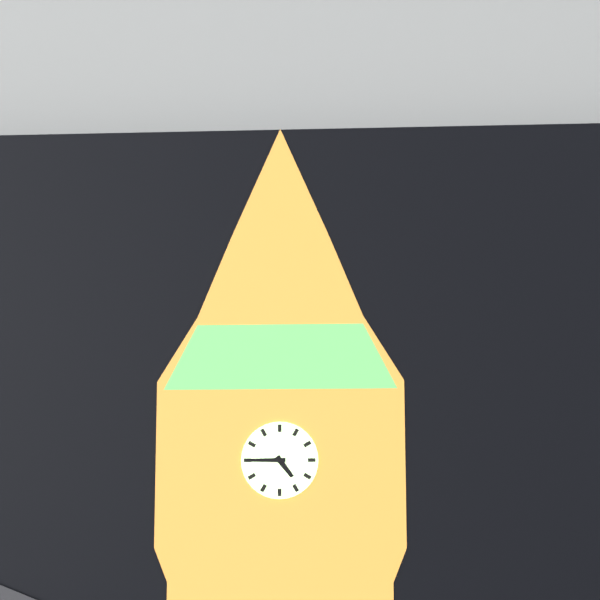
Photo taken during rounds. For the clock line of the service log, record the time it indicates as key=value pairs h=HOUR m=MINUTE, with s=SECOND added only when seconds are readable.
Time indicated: h=4 m=45
